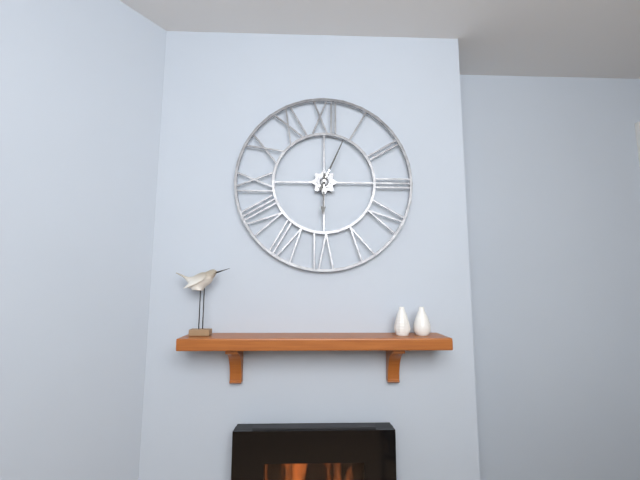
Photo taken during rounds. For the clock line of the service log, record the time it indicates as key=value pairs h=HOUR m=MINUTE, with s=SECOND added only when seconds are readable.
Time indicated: h=6 m=4
